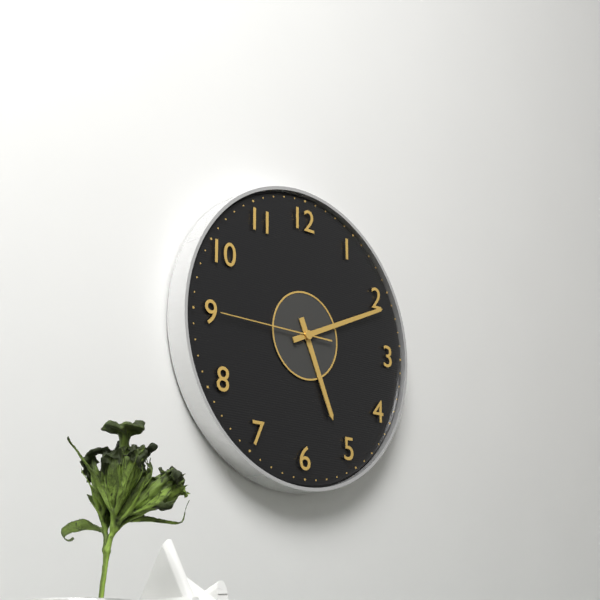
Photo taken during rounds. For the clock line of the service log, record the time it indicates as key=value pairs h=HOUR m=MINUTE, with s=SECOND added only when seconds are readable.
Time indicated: h=5 m=11 s=45
